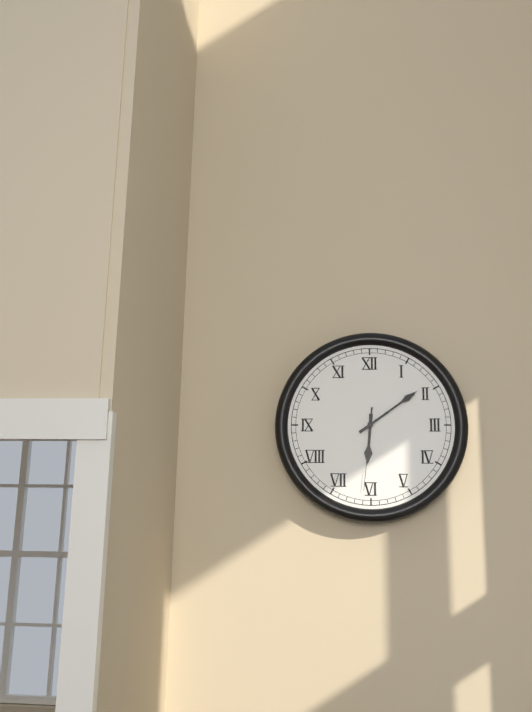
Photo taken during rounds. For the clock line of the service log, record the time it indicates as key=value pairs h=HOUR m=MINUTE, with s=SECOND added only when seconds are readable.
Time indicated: h=6 m=9 s=31
